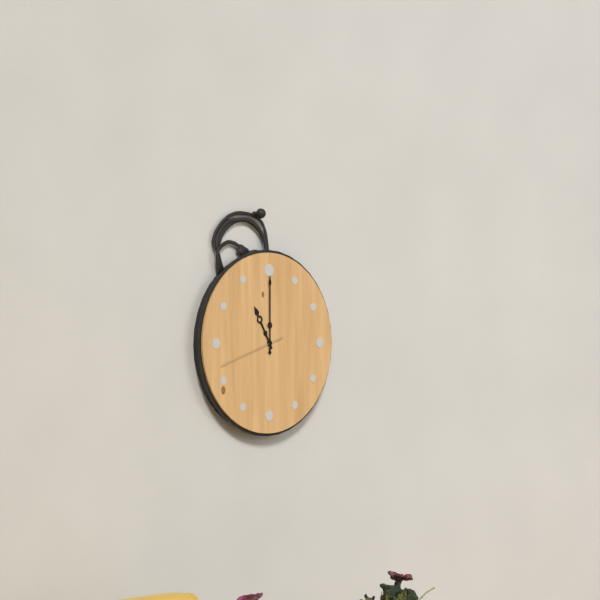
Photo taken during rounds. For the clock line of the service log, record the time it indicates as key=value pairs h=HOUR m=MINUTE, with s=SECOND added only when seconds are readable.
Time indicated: h=11 m=0 s=42
